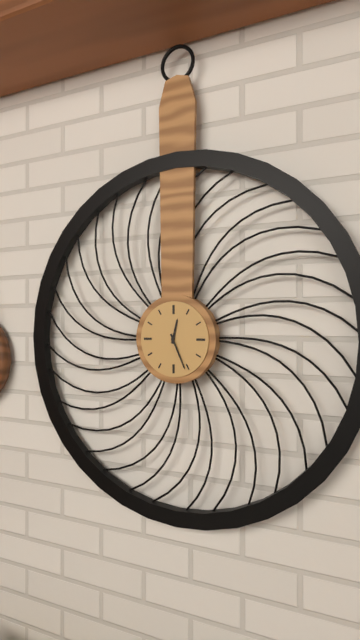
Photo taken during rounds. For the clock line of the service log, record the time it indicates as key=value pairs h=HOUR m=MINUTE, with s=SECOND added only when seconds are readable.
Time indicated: h=12 m=26
